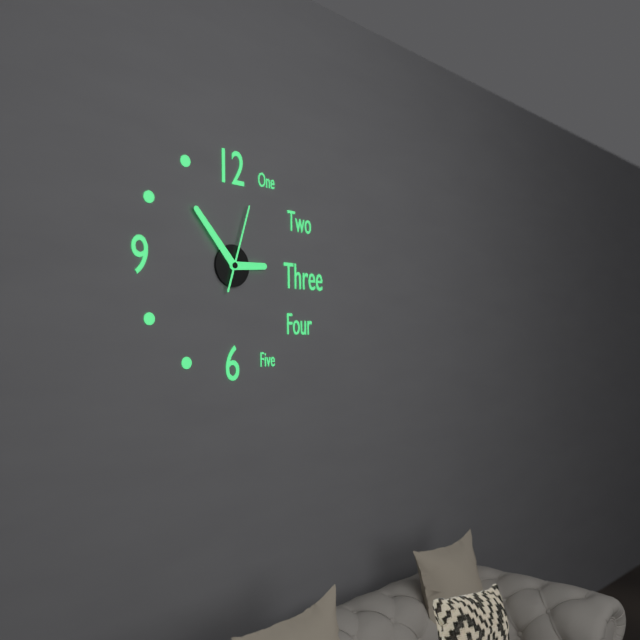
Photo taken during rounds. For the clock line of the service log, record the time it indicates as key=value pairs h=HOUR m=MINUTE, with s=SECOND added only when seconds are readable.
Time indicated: h=2 m=53 s=3
